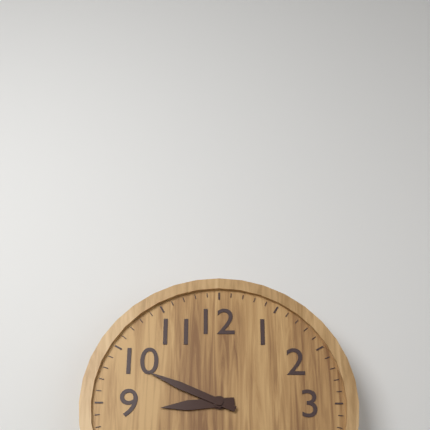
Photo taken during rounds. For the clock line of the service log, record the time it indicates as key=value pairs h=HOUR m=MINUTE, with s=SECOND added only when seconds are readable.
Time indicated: h=8 m=49
